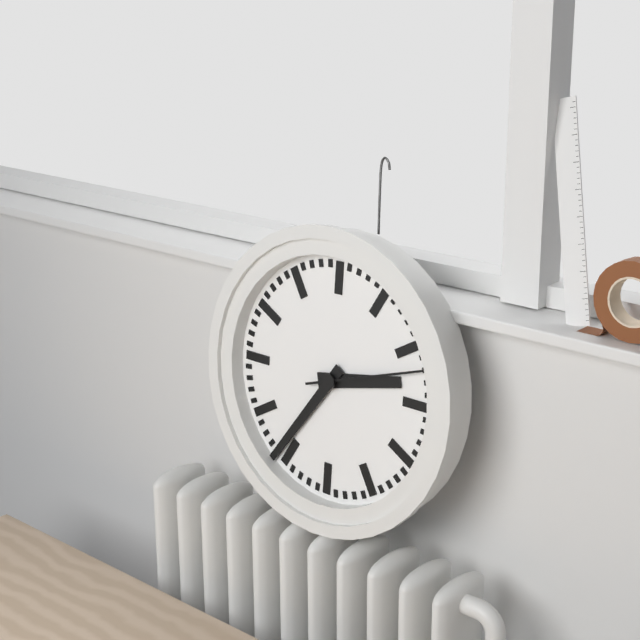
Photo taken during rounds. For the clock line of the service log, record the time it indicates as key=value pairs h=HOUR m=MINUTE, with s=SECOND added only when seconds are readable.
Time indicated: h=2 m=36 s=12
